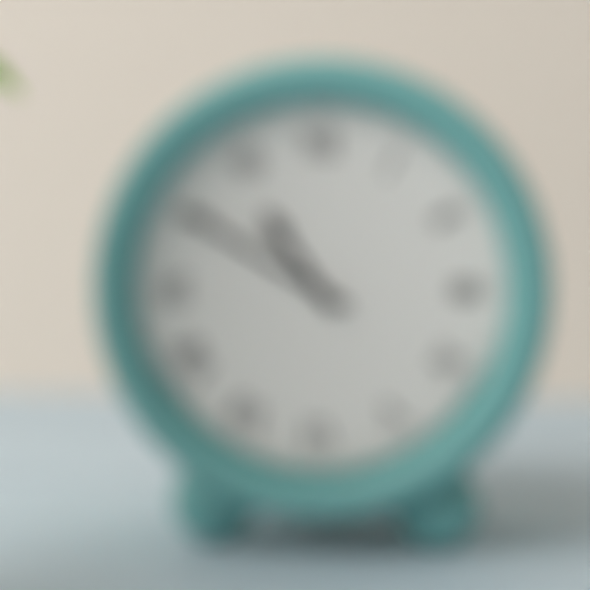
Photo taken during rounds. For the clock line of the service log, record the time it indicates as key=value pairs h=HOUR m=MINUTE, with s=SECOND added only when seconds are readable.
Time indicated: h=10 m=50
